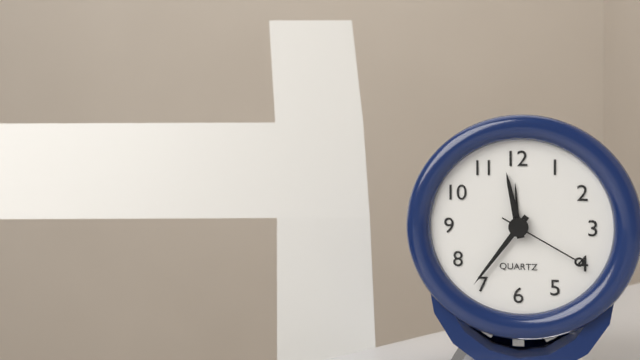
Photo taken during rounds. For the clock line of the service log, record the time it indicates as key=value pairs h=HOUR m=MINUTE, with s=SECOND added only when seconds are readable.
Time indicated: h=11 m=36 s=20
